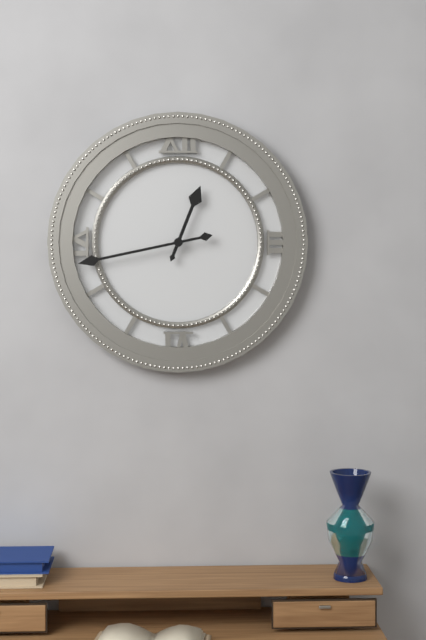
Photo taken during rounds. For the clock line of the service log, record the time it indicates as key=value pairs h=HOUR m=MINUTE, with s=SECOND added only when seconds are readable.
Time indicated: h=12 m=43
